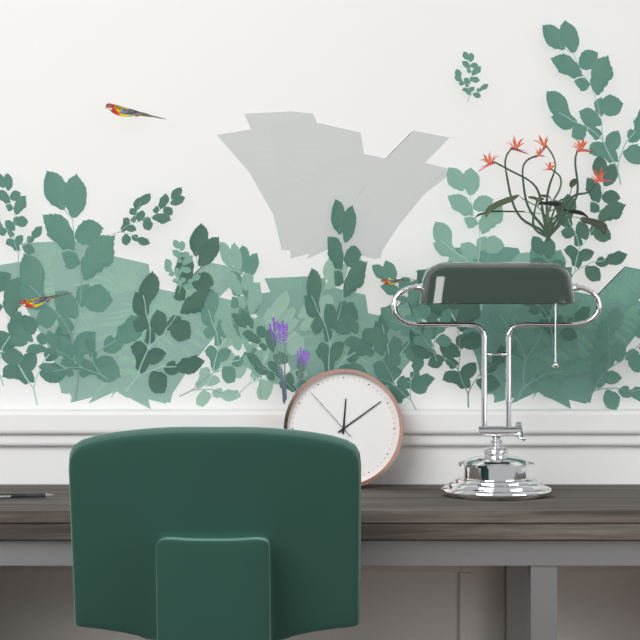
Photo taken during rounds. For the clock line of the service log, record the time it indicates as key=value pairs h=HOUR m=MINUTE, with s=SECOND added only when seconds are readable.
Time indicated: h=12 m=9 s=53
